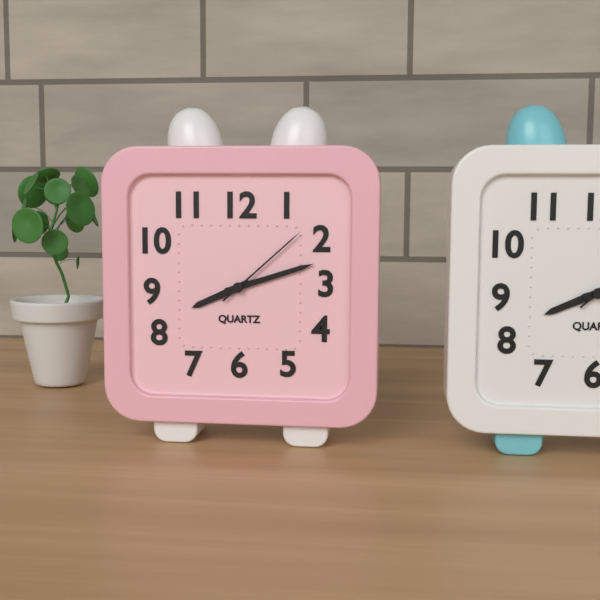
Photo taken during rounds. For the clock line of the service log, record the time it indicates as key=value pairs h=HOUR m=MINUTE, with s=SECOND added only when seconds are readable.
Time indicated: h=8 m=12 s=8
